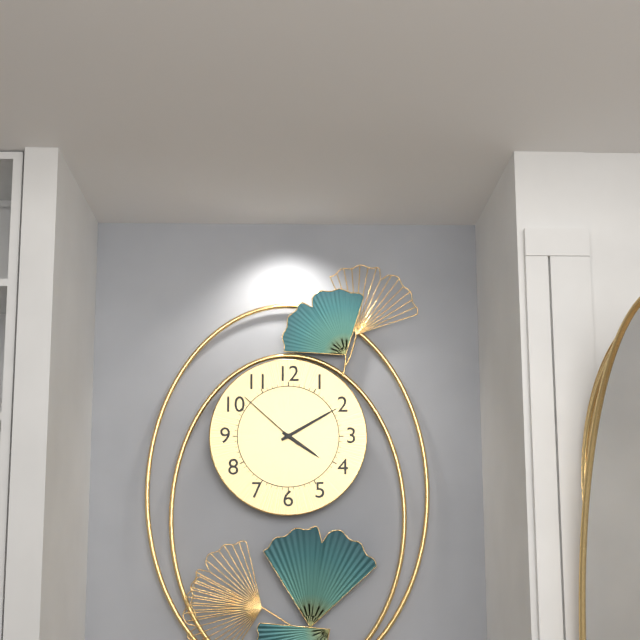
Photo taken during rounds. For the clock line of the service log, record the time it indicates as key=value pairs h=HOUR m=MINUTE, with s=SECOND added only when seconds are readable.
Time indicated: h=4 m=10 s=52
